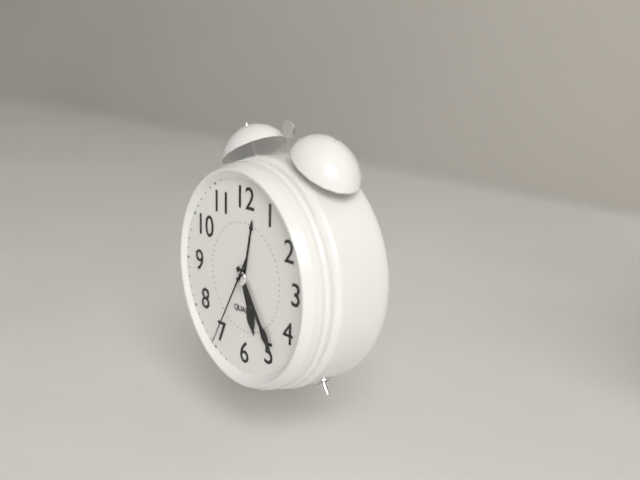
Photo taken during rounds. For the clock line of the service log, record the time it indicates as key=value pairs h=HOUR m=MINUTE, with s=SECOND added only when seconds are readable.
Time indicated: h=5 m=24 s=35
